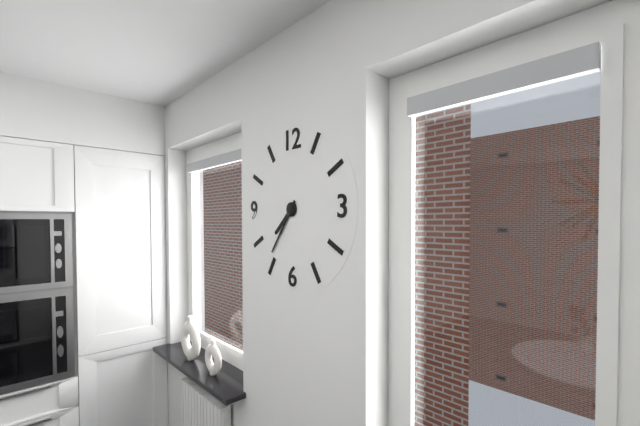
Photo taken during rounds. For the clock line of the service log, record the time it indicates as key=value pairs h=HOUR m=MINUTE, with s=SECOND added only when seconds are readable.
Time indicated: h=7 m=36
